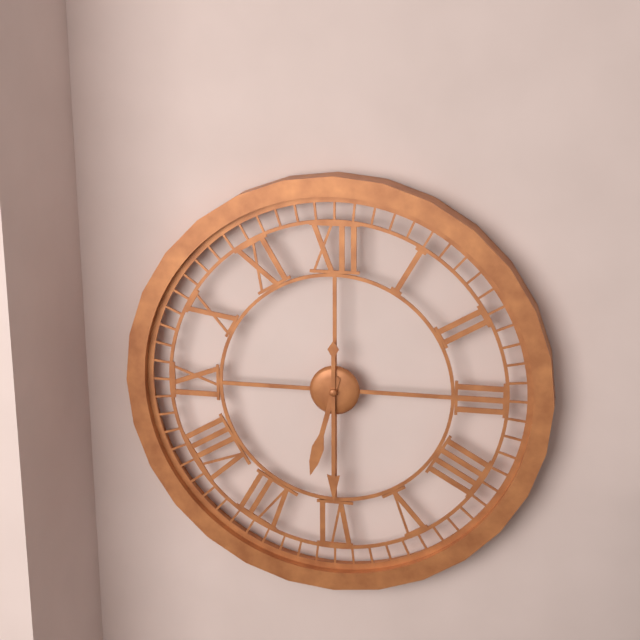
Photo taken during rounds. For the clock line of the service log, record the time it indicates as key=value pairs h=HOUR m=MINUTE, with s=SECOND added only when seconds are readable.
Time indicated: h=6 m=30
